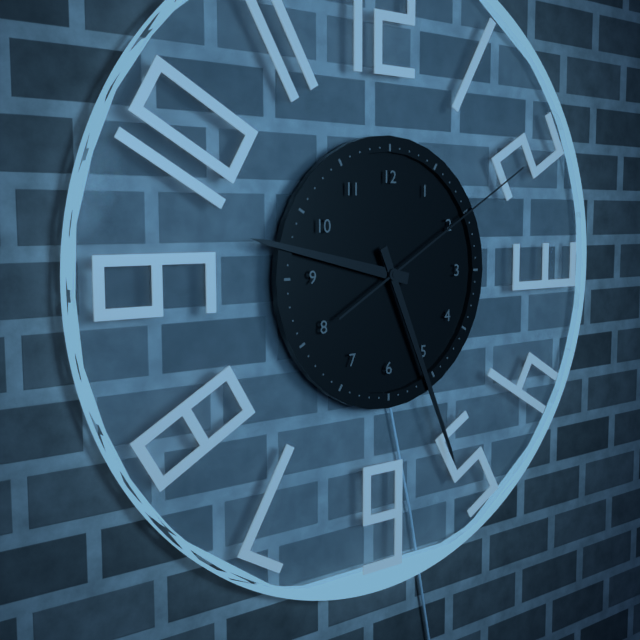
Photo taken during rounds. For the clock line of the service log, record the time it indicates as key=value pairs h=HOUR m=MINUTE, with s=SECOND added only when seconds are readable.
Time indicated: h=9 m=26 s=10
